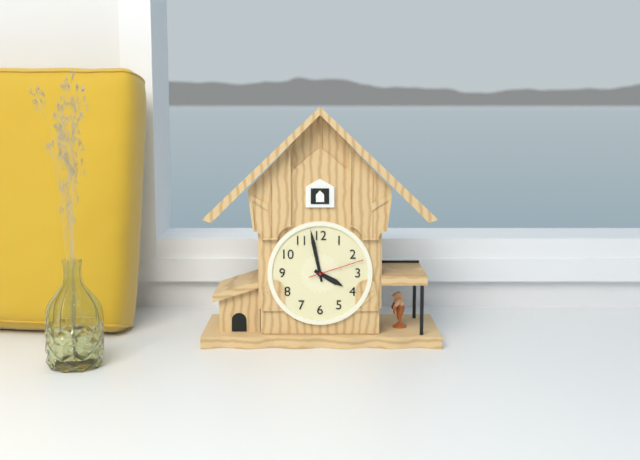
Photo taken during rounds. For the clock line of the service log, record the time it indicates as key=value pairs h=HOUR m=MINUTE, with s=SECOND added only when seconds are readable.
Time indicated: h=3 m=58 s=12
